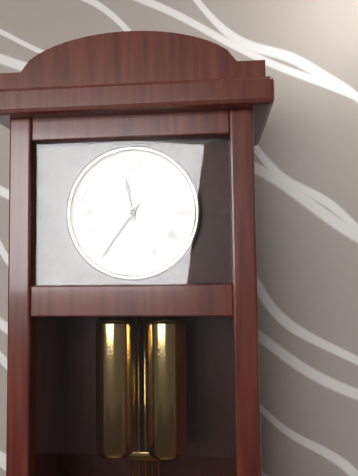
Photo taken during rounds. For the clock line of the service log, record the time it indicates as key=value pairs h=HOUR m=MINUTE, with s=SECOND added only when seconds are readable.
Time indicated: h=11 m=36
